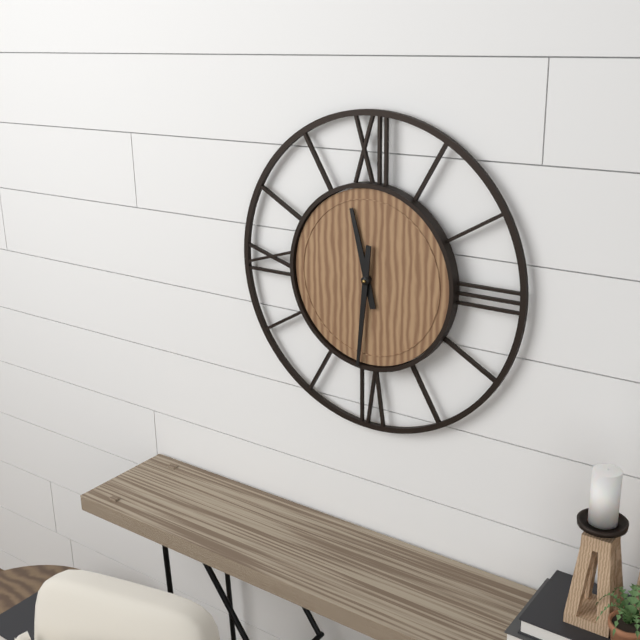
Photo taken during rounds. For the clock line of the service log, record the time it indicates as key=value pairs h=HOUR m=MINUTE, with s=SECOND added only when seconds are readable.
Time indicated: h=11 m=31
